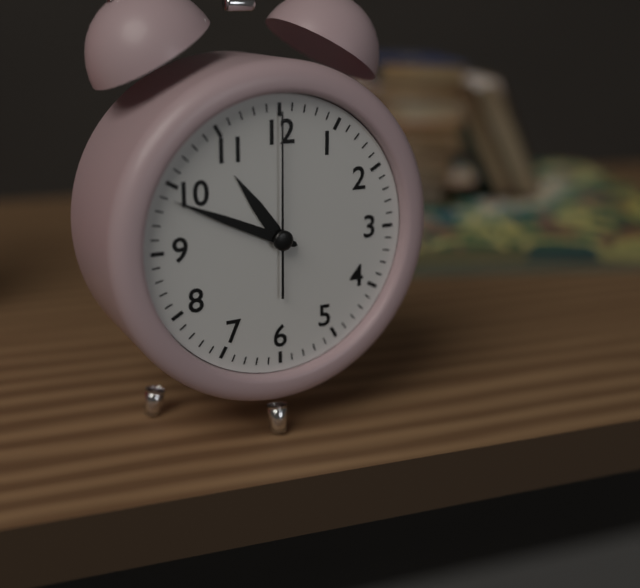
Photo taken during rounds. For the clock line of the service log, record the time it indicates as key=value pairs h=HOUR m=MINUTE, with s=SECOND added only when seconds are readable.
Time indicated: h=10 m=49 s=0
